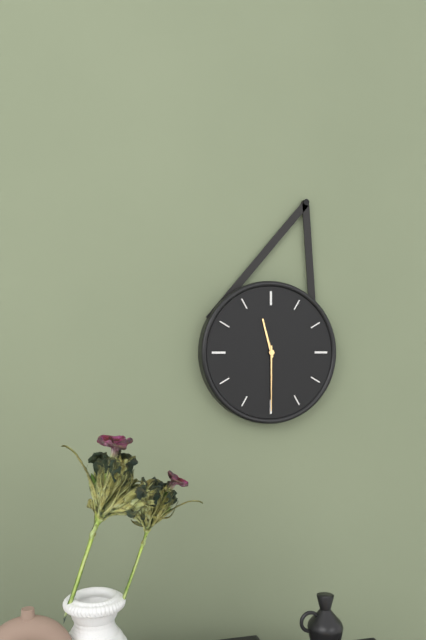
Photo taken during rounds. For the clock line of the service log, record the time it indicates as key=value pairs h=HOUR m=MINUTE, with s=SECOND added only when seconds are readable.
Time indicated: h=11 m=30
